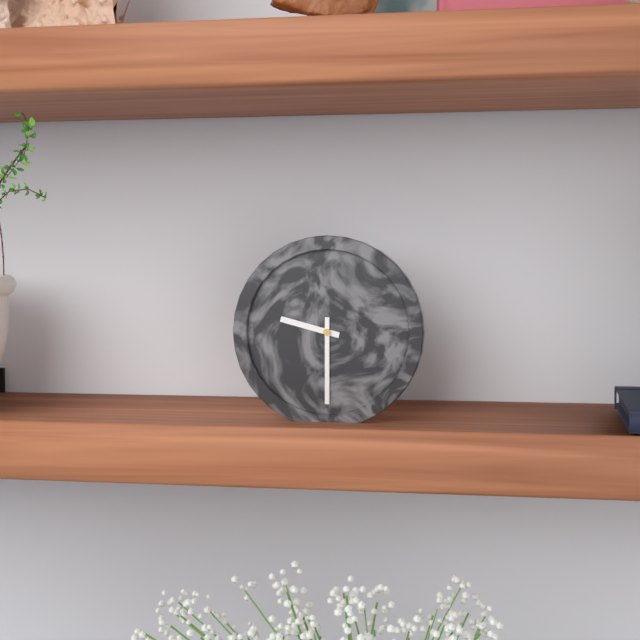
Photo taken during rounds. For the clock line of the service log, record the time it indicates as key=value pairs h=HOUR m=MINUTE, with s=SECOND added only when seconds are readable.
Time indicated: h=9 m=30
